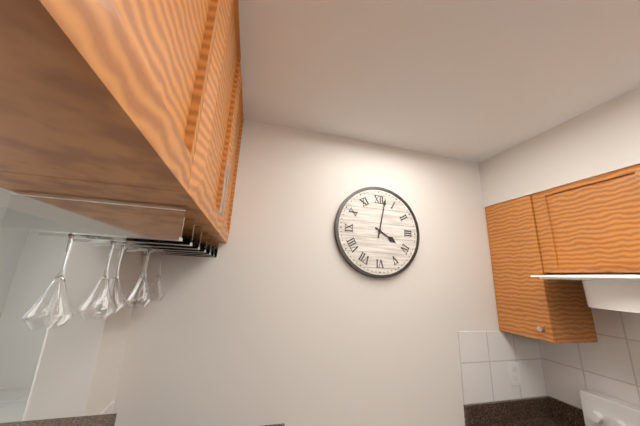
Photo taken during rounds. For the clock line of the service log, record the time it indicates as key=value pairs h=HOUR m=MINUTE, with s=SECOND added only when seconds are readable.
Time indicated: h=4 m=2
